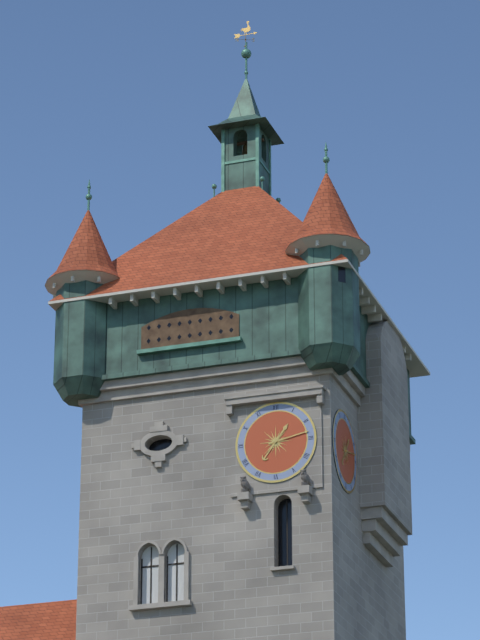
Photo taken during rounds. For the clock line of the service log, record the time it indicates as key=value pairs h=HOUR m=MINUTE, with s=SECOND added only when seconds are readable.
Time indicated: h=1 m=13
